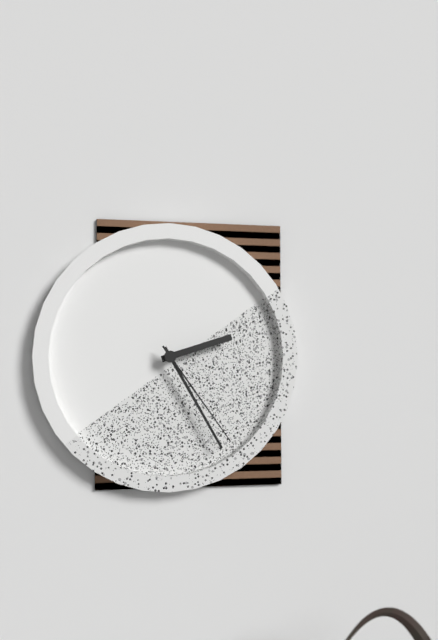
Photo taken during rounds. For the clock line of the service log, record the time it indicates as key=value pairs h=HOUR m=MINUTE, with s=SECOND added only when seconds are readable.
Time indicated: h=2 m=25 s=24
